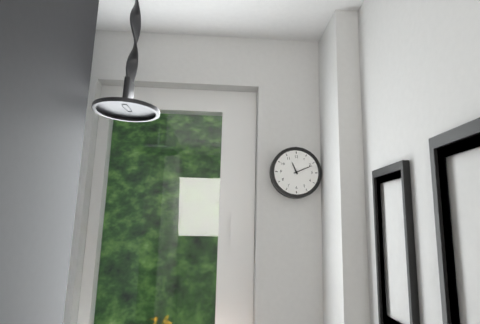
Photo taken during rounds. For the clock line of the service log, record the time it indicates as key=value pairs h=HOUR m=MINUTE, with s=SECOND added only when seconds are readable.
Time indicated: h=11 m=11
